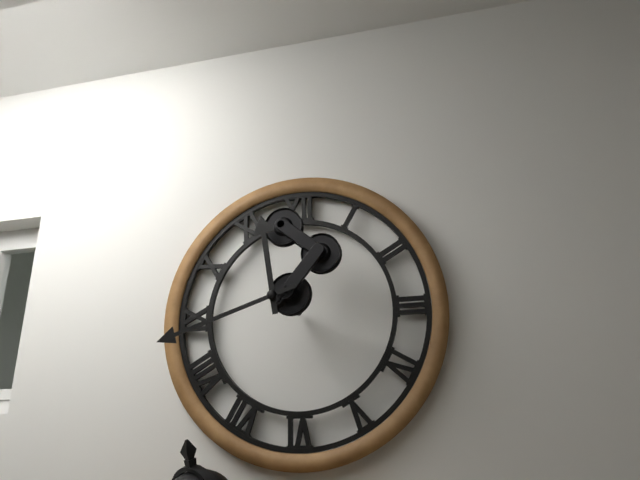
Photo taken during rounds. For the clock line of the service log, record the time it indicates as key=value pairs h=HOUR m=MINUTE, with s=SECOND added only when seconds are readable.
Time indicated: h=11 m=42
